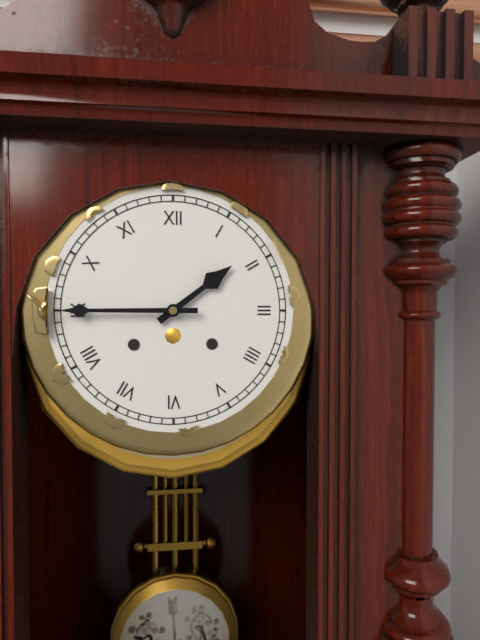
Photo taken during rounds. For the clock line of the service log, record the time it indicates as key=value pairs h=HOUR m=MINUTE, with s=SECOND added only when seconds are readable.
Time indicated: h=1 m=45
